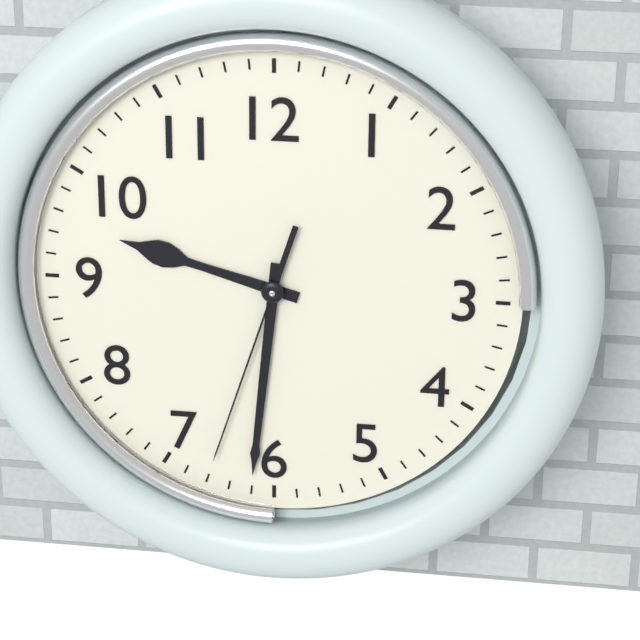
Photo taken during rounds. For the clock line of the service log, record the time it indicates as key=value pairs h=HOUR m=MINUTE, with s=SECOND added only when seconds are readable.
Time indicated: h=9 m=31 s=33
